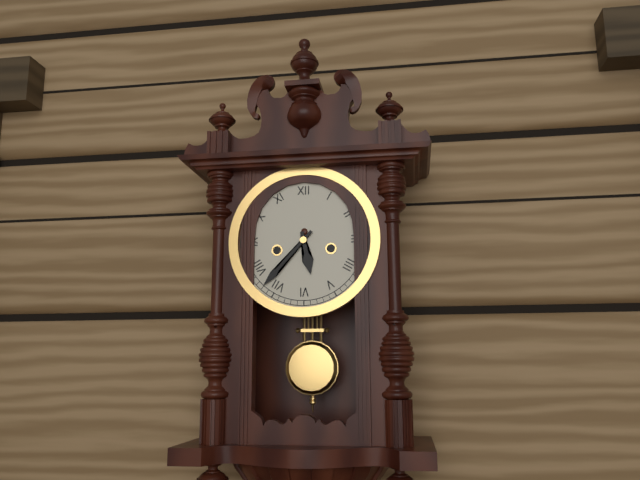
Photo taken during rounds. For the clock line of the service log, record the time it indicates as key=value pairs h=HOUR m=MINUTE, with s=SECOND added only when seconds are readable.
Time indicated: h=5 m=37
